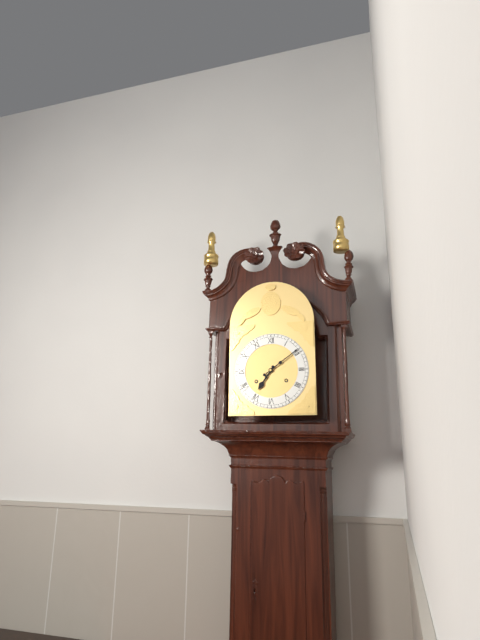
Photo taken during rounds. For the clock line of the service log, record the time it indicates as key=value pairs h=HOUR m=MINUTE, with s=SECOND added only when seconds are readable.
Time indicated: h=7 m=9
